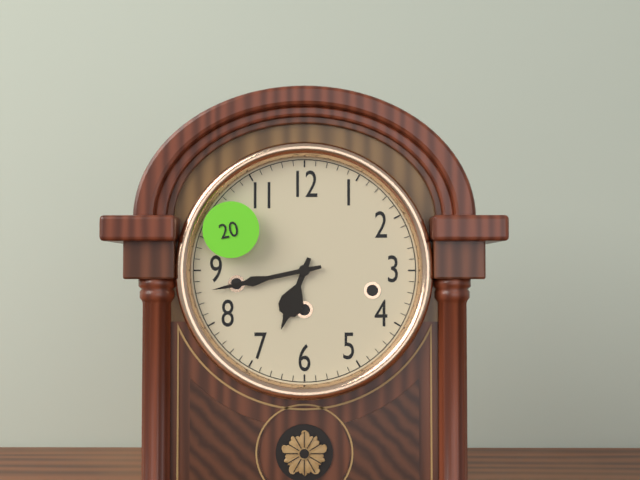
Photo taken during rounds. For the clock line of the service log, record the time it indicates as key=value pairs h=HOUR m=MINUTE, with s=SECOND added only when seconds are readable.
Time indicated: h=6 m=43
